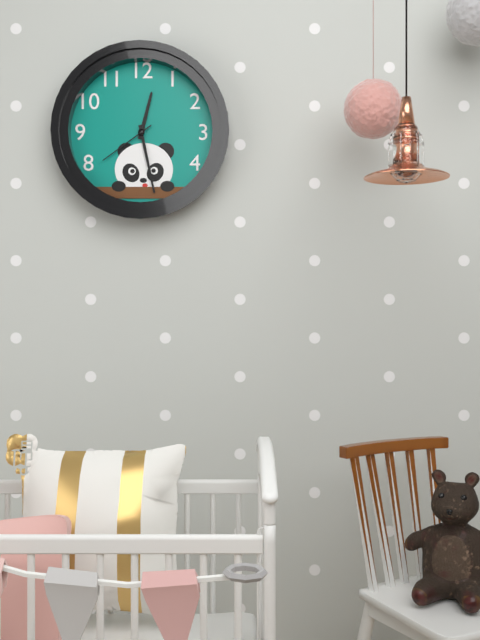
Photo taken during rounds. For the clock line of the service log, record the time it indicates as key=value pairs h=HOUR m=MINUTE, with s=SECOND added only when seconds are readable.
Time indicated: h=12 m=28 s=39
